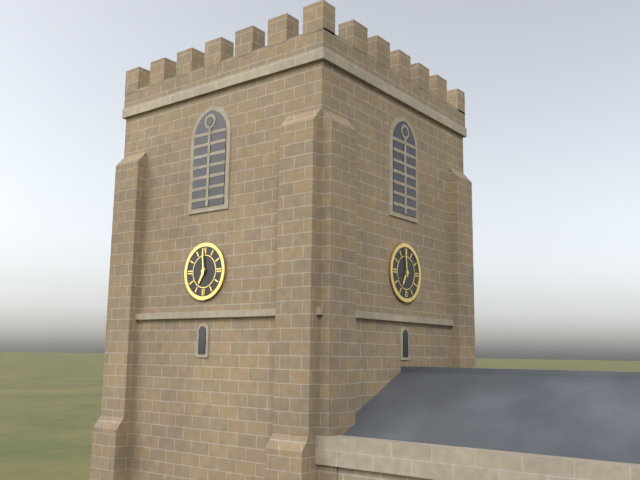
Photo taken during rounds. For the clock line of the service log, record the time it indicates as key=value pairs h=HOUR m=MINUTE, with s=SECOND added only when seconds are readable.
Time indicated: h=6 m=59
